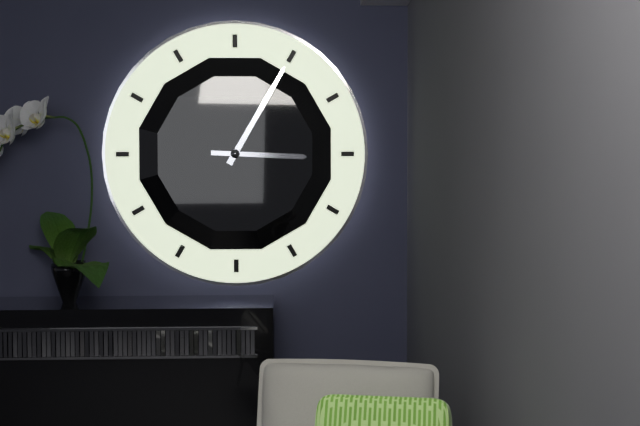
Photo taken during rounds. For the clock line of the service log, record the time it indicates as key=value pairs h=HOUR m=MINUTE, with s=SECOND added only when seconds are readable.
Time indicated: h=3 m=5
